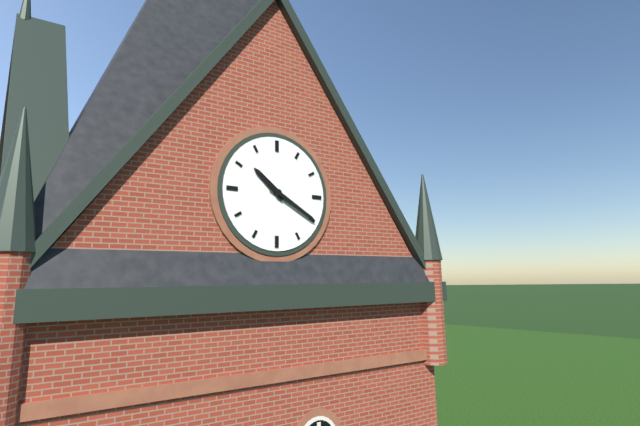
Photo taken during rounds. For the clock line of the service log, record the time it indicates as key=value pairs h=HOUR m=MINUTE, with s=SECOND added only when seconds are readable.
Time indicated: h=10 m=20
